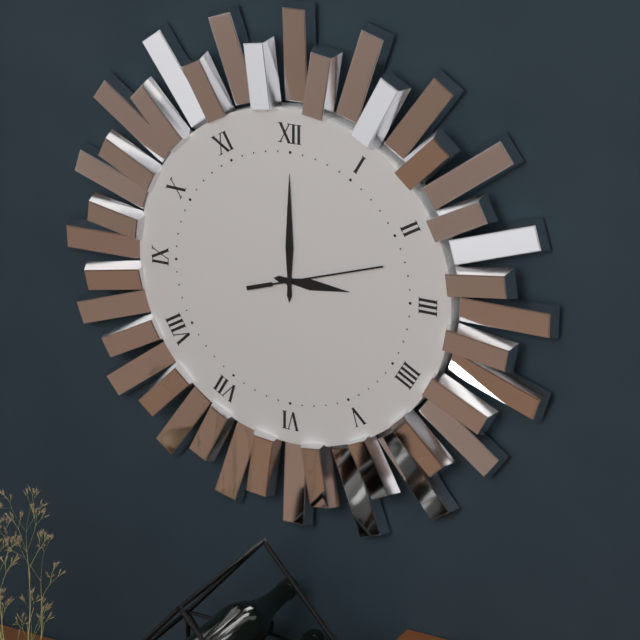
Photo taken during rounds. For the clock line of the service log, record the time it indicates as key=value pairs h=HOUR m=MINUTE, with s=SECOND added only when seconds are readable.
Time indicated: h=3 m=0 s=12
